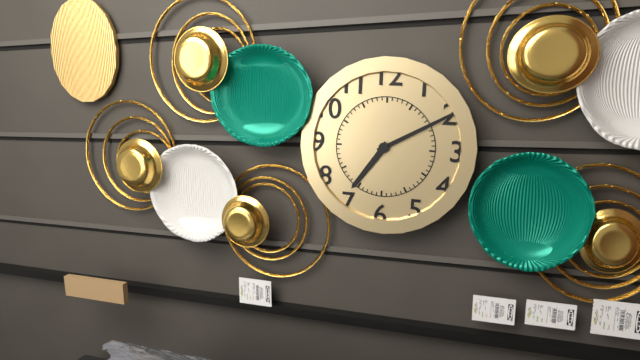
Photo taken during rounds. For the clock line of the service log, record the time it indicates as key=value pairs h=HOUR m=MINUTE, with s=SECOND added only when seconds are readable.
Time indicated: h=7 m=10
